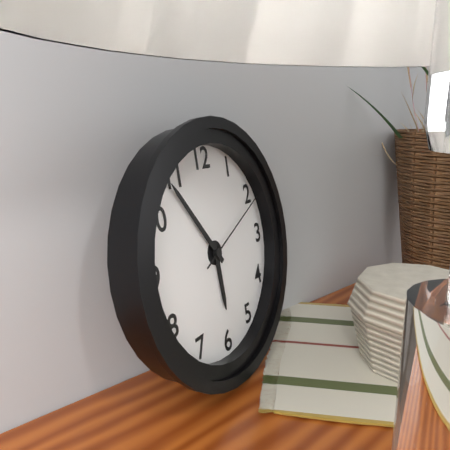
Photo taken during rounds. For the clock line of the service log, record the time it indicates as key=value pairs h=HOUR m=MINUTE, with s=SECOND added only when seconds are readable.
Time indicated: h=5 m=54 s=11
